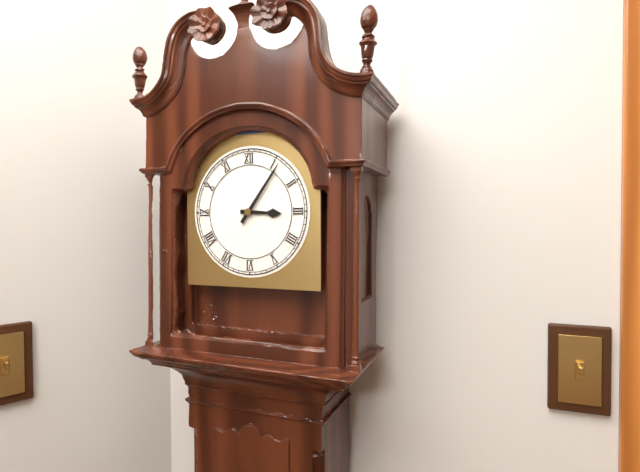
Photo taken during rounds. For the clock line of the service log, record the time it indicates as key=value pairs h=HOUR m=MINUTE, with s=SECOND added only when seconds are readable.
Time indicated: h=3 m=6
